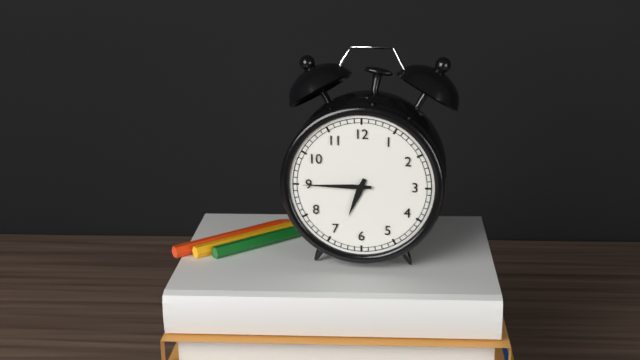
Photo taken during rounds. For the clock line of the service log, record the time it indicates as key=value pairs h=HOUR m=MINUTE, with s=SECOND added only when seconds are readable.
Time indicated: h=6 m=45
